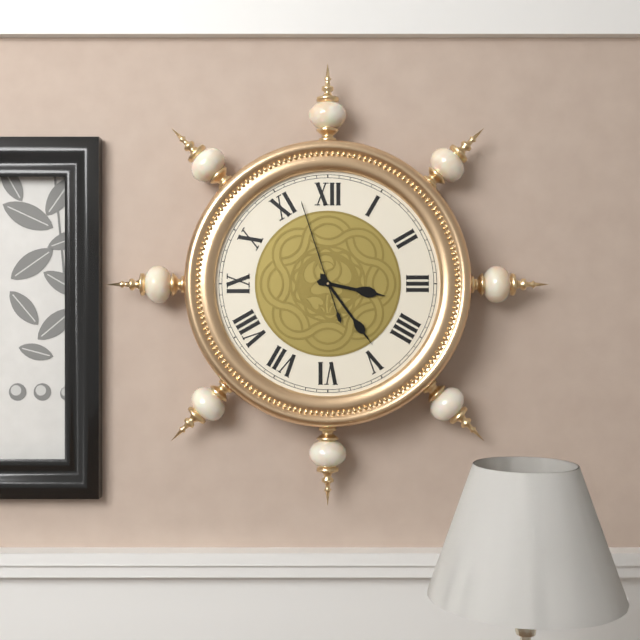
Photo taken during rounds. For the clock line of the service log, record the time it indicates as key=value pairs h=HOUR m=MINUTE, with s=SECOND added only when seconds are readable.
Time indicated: h=3 m=24 s=57
